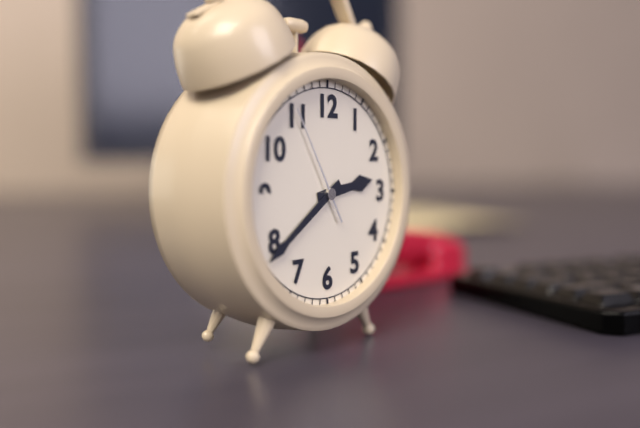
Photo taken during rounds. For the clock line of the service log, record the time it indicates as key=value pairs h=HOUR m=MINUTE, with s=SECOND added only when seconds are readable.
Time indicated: h=2 m=39 s=55
